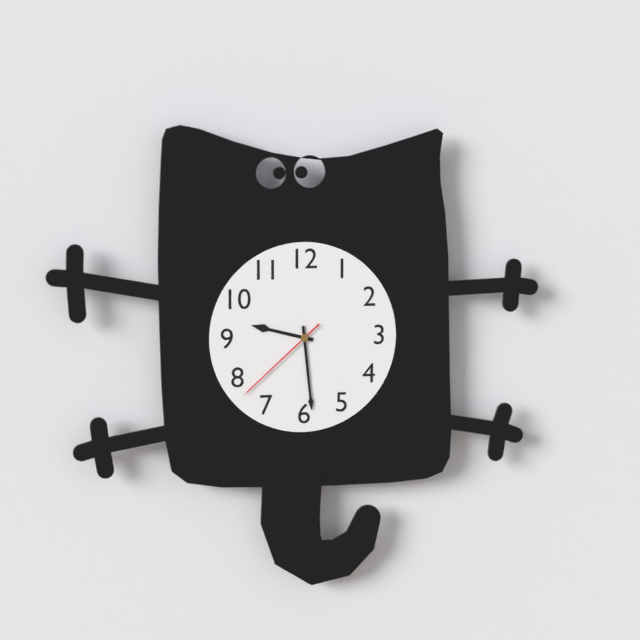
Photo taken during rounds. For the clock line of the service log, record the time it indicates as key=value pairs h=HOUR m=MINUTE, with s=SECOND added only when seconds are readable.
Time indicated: h=9 m=29 s=38
